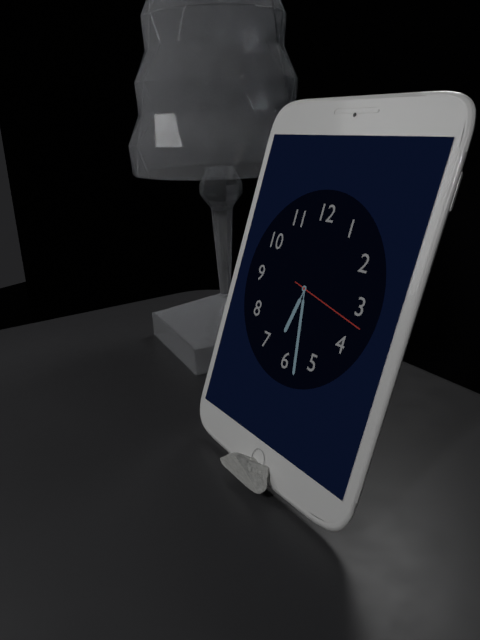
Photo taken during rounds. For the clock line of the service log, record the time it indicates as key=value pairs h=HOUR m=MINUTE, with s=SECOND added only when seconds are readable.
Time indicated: h=6 m=28 s=17
